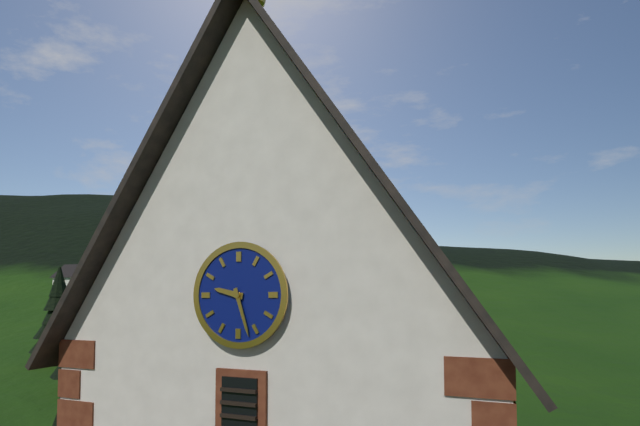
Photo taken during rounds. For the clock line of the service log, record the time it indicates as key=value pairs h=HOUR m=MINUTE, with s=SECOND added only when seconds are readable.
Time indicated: h=9 m=27
